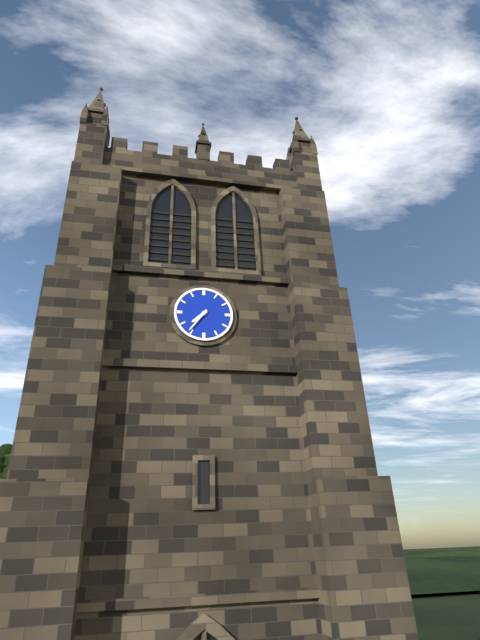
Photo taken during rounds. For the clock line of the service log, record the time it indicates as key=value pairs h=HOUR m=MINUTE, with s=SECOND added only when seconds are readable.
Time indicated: h=7 m=36
